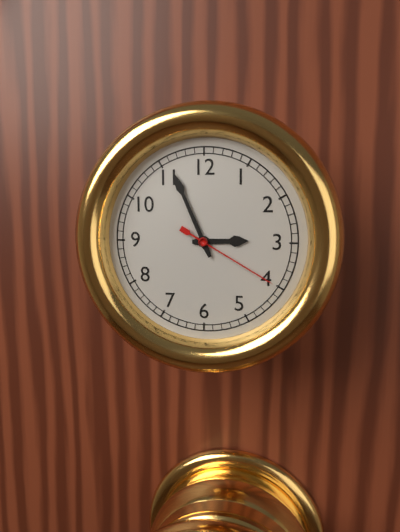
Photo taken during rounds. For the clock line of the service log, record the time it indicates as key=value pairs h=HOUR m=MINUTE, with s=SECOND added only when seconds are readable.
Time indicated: h=2 m=56 s=20
